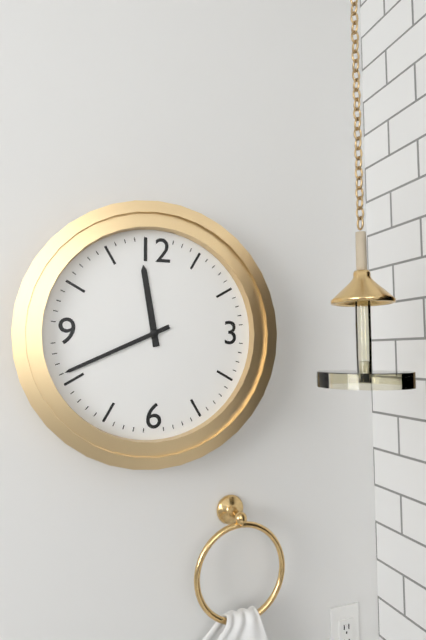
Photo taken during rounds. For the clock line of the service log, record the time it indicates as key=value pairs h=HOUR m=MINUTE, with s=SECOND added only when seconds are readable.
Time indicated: h=11 m=41
